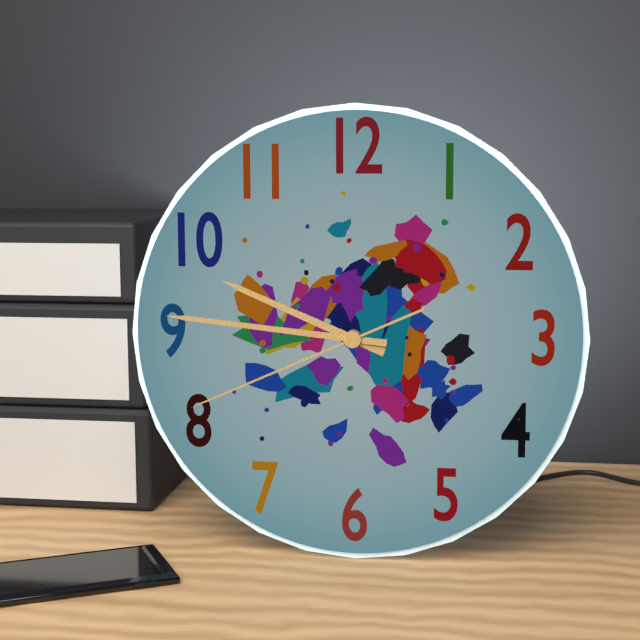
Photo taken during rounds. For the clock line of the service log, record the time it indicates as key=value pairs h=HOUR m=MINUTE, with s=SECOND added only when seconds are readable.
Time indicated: h=9 m=46 s=41
